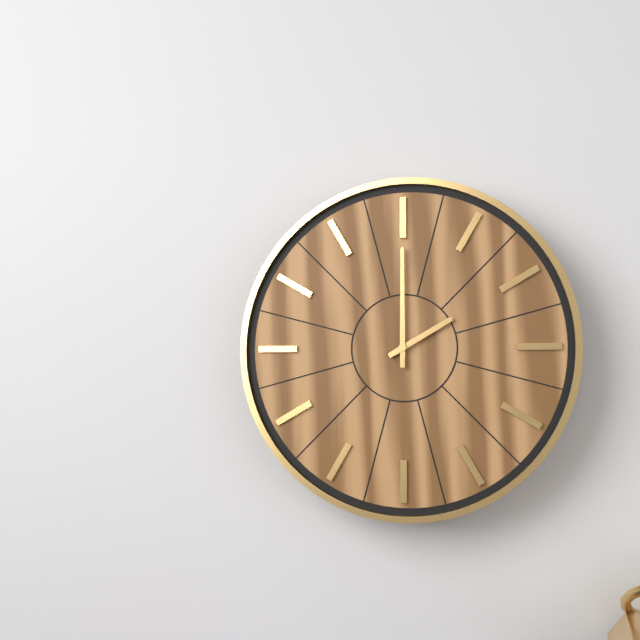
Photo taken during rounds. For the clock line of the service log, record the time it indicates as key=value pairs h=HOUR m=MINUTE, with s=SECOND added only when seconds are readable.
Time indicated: h=2 m=0
